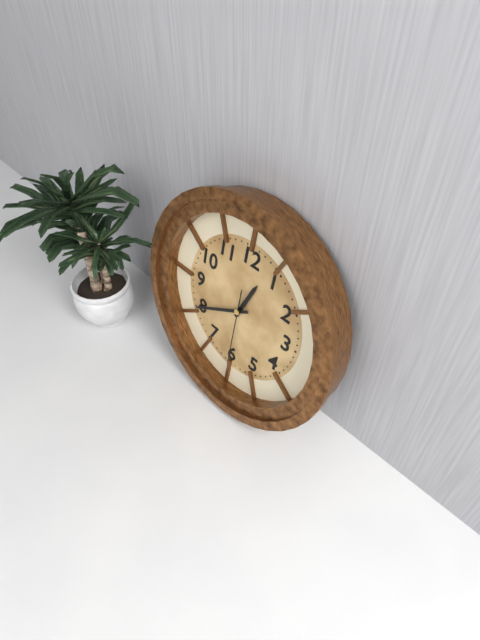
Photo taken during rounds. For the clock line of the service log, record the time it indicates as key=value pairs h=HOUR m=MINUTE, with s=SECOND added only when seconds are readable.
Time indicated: h=12 m=40 s=30
